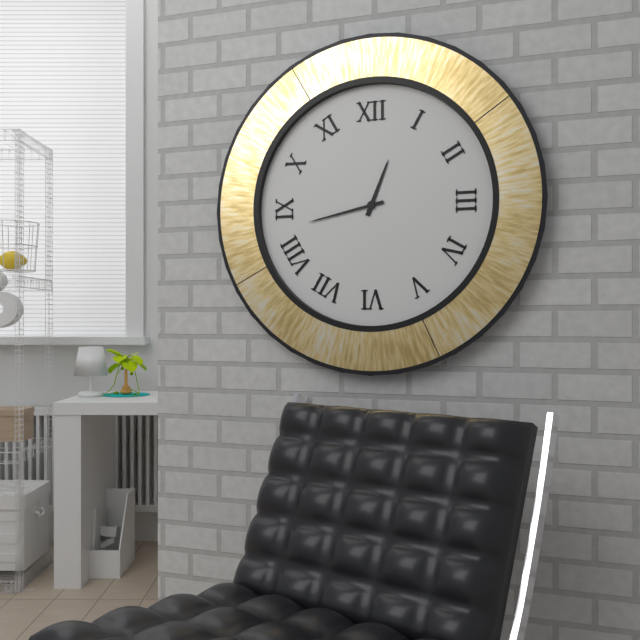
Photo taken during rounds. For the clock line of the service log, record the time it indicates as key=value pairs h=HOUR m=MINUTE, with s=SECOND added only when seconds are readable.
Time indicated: h=12 m=43
